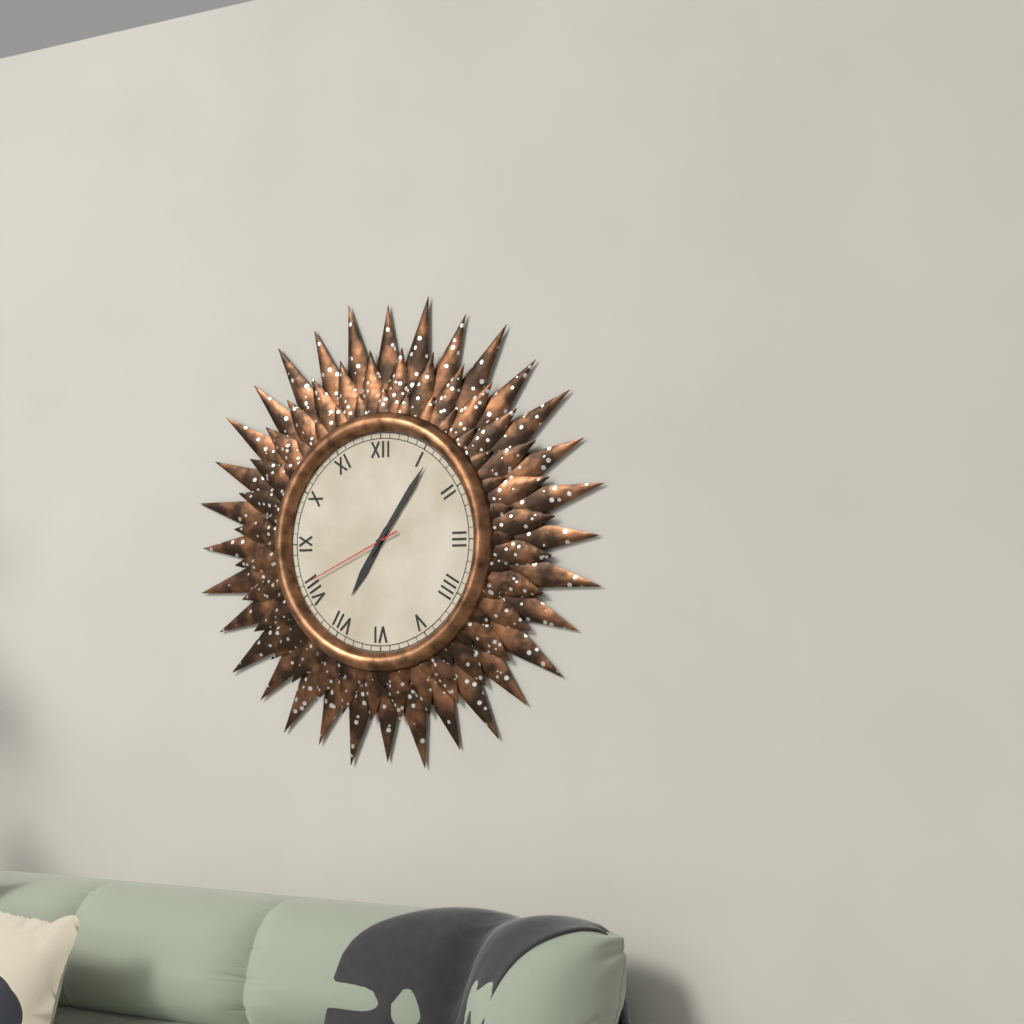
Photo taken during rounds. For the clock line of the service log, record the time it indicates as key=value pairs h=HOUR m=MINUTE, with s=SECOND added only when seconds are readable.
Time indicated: h=7 m=6 s=41
